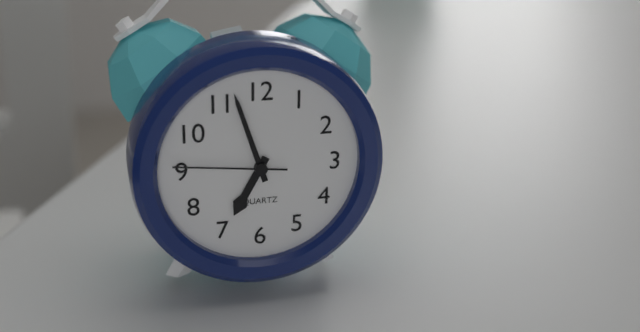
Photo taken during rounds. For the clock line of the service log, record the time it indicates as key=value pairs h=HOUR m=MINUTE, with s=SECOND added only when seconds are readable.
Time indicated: h=6 m=57 s=46
